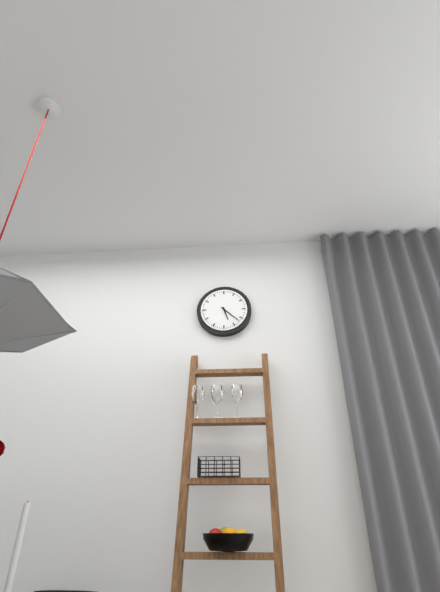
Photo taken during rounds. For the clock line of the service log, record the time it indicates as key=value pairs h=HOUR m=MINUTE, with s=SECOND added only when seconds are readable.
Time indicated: h=5 m=22
